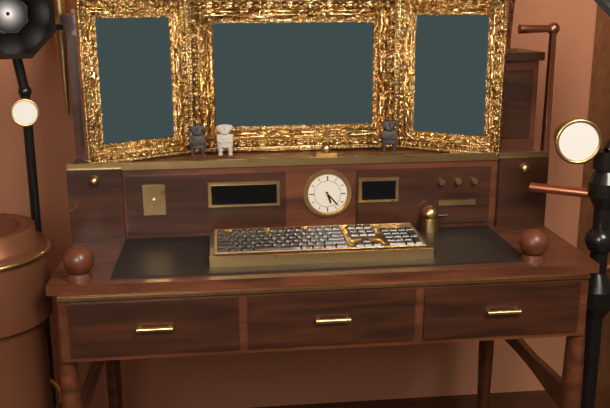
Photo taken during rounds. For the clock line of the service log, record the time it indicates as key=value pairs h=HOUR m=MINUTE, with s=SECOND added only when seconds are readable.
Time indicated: h=5 m=23
